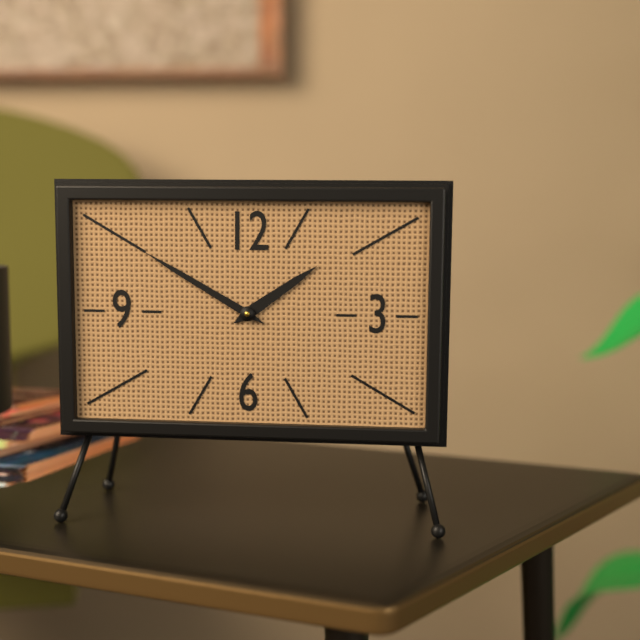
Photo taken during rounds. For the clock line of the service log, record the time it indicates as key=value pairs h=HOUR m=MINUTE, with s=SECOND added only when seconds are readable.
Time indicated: h=1 m=50
